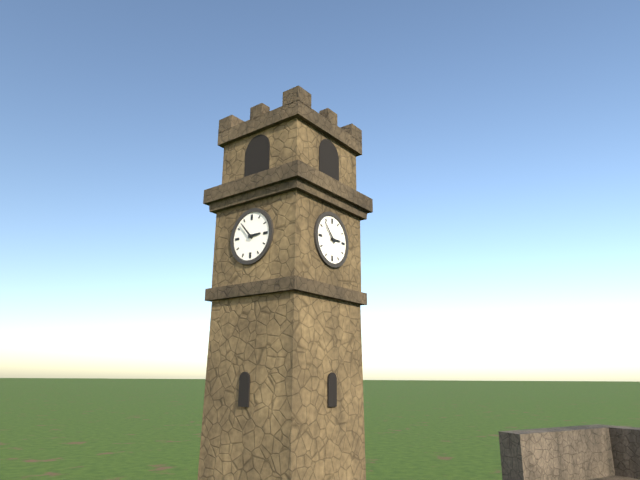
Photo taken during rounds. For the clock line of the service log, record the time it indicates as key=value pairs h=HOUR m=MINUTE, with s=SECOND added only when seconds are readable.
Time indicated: h=2 m=53
